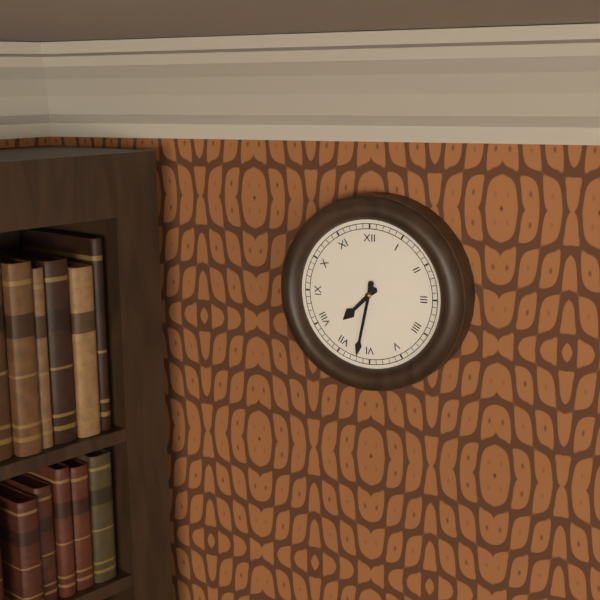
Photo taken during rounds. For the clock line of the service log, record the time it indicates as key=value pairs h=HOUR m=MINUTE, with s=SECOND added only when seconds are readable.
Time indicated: h=7 m=32
